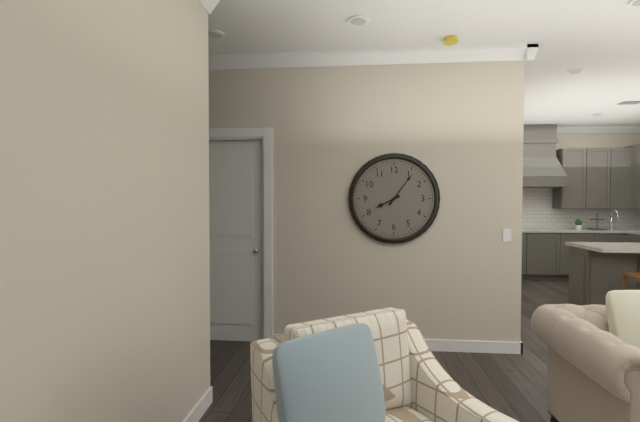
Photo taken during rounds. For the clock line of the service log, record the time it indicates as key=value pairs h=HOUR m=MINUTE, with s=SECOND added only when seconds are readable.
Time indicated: h=8 m=6
